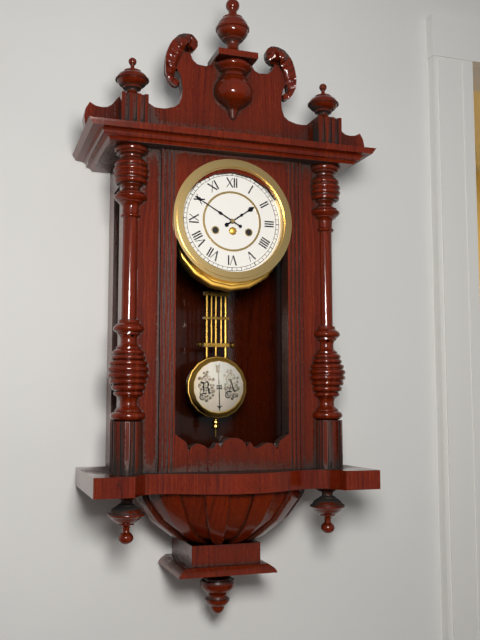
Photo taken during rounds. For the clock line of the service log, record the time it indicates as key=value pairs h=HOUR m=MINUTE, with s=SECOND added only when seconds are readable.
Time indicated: h=1 m=50
